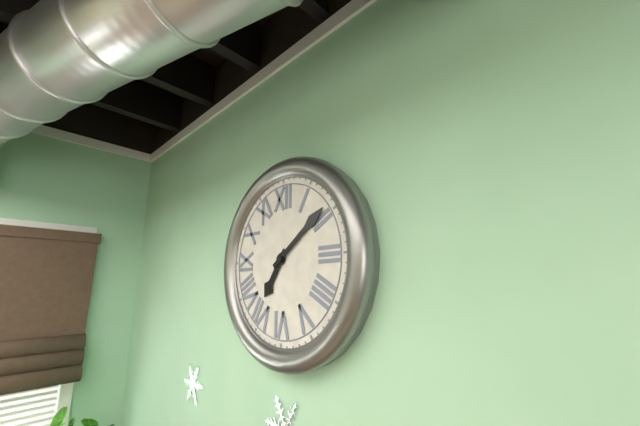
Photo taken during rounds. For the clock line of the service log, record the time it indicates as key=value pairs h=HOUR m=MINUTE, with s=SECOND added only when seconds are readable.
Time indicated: h=7 m=9
